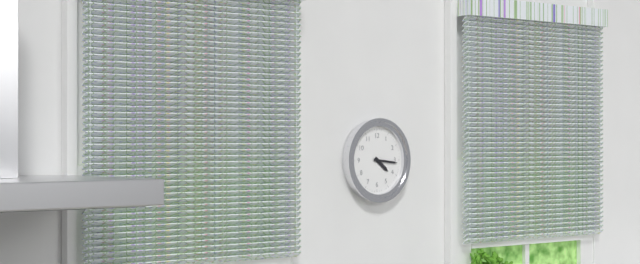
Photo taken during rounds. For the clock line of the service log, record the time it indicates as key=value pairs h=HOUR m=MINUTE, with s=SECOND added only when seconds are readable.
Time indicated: h=4 m=16
